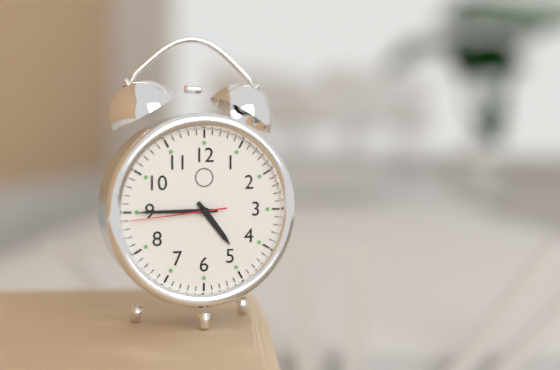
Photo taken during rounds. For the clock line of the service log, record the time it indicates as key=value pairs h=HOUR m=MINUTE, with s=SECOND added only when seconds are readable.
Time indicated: h=4 m=45 s=44
